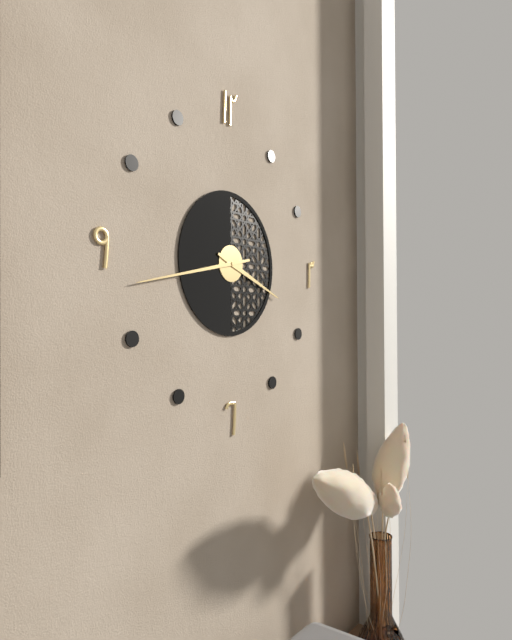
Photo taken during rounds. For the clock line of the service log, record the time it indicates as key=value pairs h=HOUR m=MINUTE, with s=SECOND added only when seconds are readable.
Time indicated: h=3 m=43
